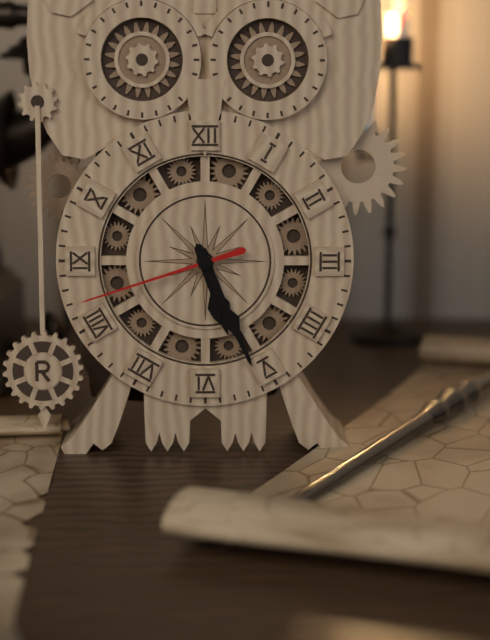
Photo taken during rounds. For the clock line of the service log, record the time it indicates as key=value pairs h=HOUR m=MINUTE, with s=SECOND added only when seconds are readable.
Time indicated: h=5 m=26 s=42
